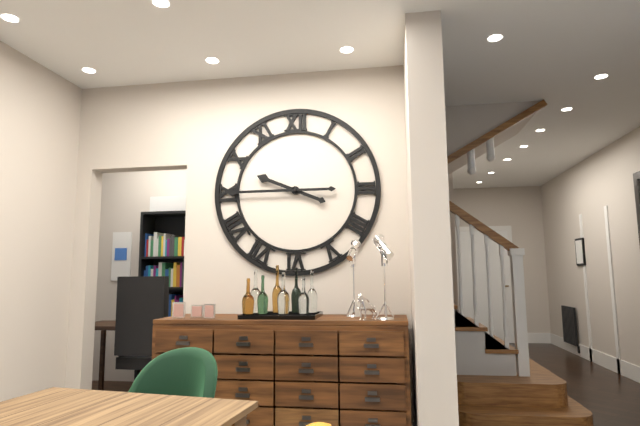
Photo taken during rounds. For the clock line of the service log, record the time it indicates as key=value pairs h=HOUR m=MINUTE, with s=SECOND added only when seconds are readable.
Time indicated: h=9 m=45
